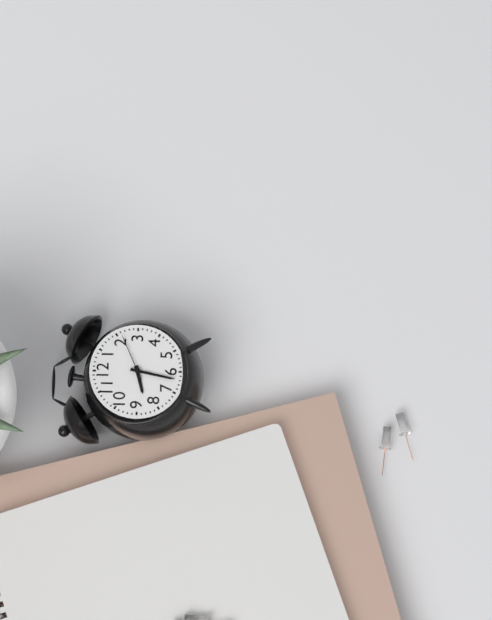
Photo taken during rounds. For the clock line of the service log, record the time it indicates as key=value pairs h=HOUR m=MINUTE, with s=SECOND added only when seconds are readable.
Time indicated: h=8 m=32 s=11
